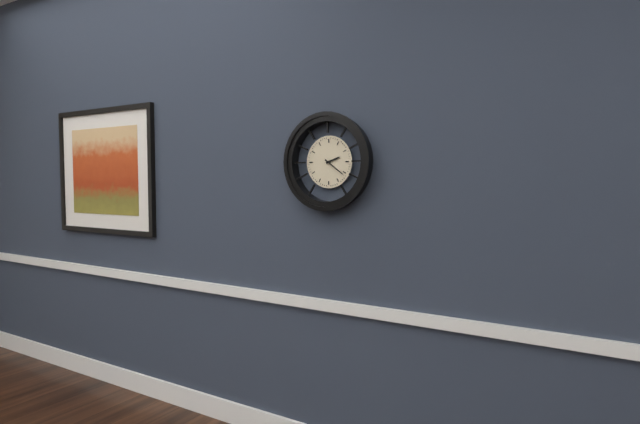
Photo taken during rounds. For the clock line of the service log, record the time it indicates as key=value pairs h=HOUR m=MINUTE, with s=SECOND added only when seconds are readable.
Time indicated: h=2 m=21
